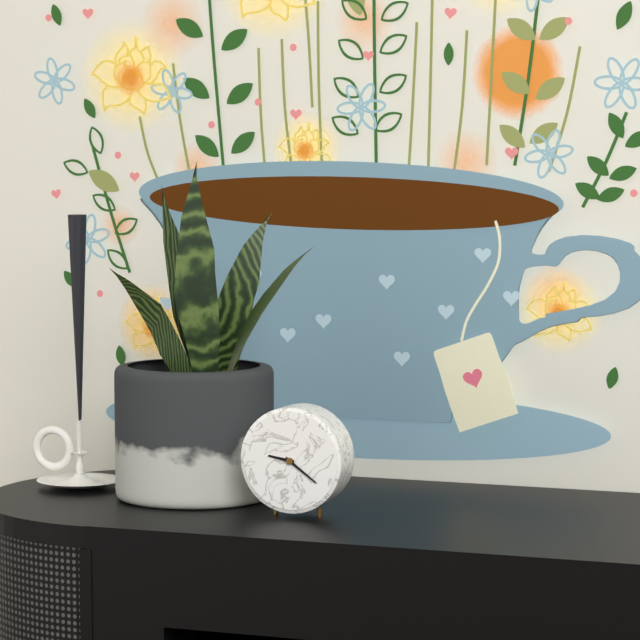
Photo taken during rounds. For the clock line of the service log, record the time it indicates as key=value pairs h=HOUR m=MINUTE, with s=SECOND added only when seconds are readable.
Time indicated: h=9 m=21
